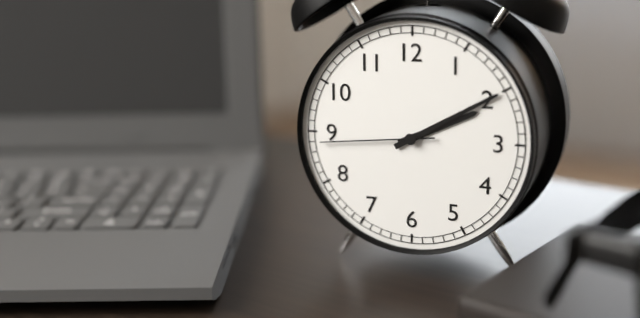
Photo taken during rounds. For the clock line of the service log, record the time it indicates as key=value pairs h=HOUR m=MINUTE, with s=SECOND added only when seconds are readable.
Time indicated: h=2 m=10 s=44
